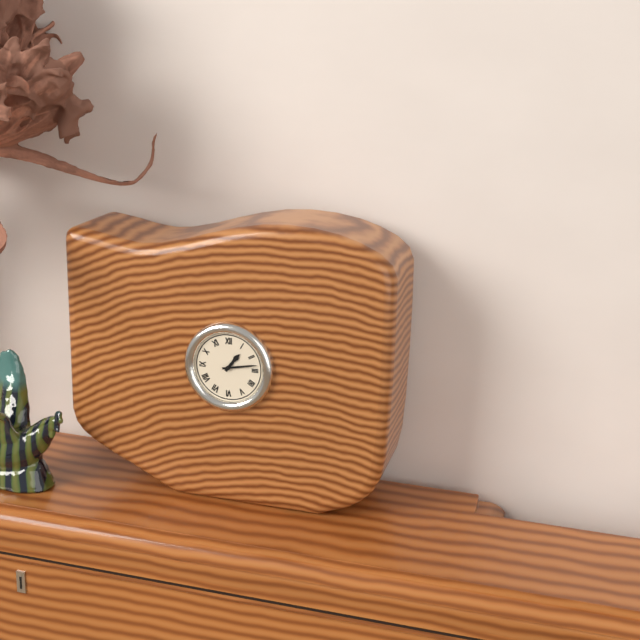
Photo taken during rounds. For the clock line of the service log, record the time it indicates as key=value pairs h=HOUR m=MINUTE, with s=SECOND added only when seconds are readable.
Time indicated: h=1 m=13
